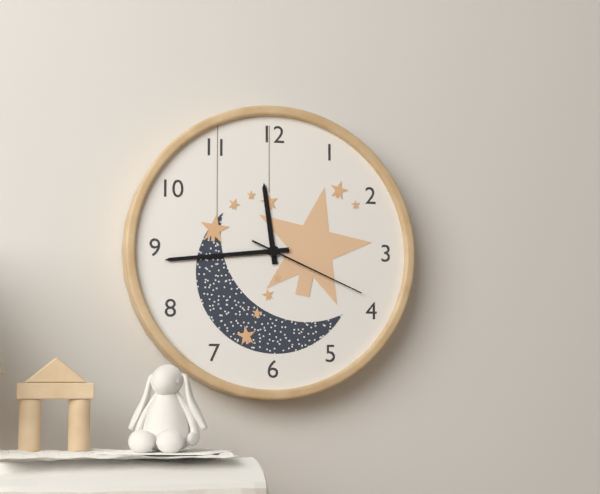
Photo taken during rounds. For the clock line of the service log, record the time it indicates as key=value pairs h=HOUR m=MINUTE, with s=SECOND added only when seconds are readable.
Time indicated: h=11 m=44 s=19
